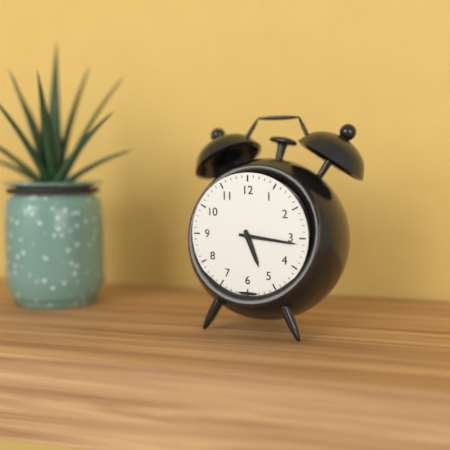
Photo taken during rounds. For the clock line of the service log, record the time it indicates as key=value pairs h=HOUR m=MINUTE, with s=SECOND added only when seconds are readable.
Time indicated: h=5 m=16
